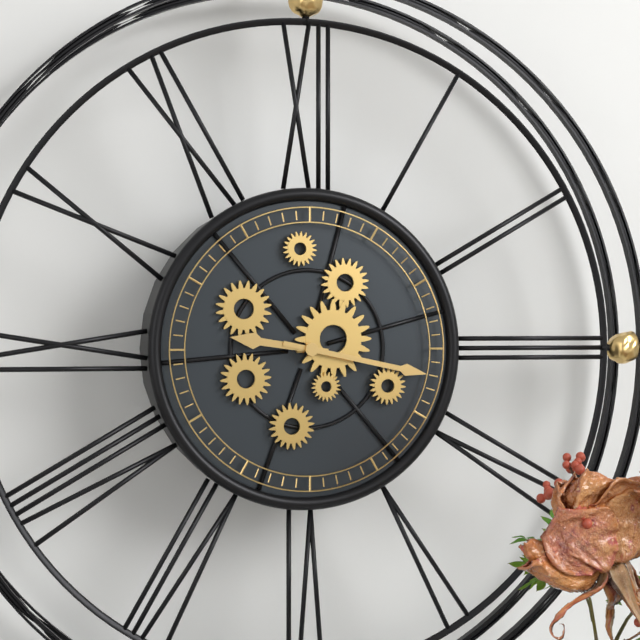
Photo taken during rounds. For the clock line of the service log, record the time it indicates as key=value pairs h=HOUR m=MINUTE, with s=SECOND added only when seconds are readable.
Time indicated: h=9 m=17
